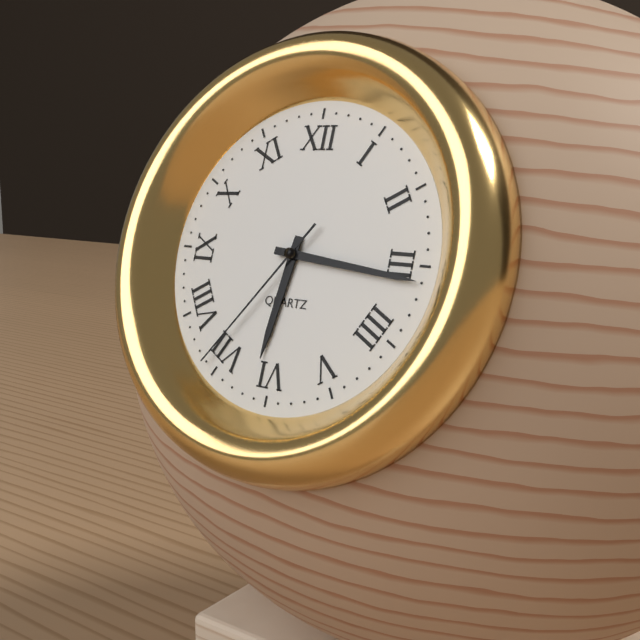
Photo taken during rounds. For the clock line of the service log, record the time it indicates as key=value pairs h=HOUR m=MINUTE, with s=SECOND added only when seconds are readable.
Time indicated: h=6 m=16 s=36
